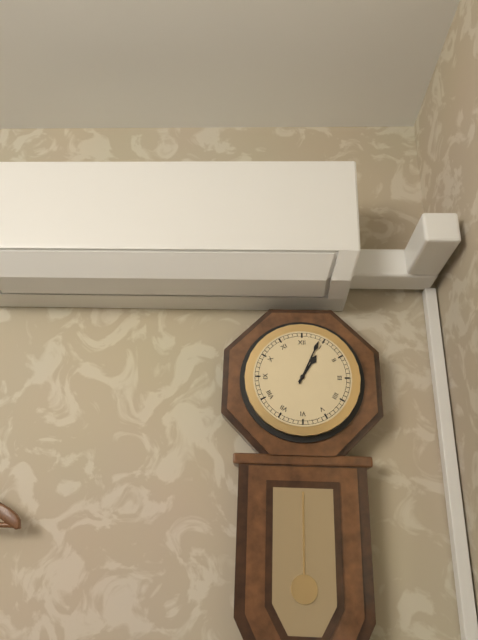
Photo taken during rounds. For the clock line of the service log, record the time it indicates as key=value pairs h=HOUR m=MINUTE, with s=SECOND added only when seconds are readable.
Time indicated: h=1 m=4
